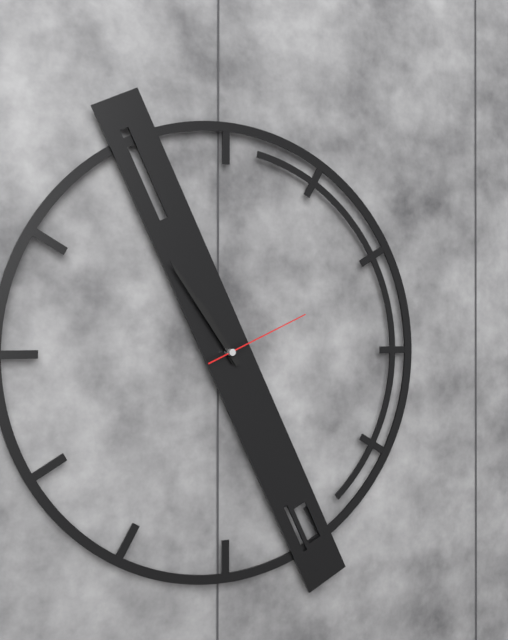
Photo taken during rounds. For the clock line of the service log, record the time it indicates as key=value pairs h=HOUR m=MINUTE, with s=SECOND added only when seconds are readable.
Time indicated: h=10 m=54 s=11
